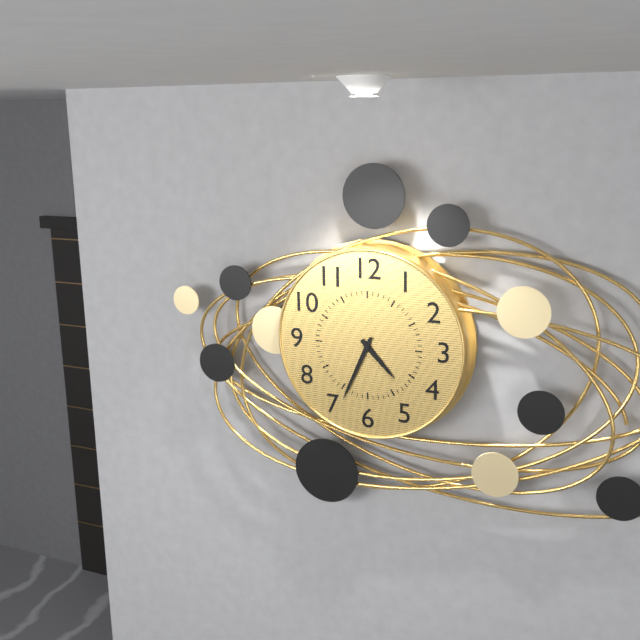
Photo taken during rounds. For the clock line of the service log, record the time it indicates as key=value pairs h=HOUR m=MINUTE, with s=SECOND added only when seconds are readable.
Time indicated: h=4 m=34
